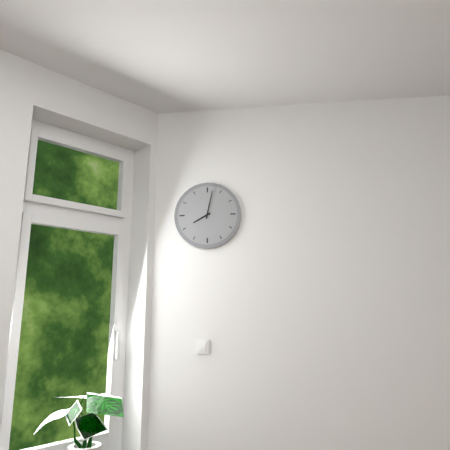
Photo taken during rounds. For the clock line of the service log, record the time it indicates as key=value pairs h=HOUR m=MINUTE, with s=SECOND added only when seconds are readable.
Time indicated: h=8 m=2
